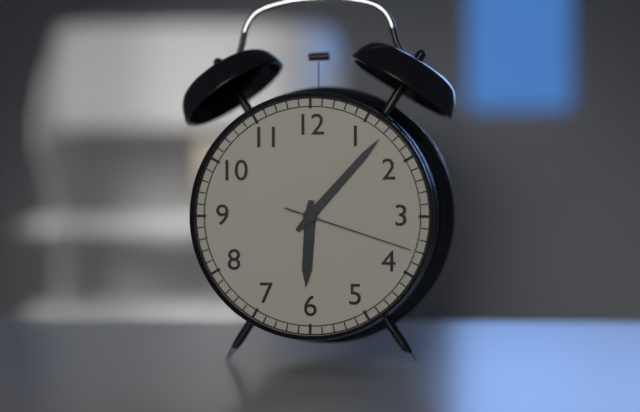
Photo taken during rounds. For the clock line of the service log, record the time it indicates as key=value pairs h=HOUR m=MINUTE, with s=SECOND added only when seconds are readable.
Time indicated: h=6 m=7 s=18
